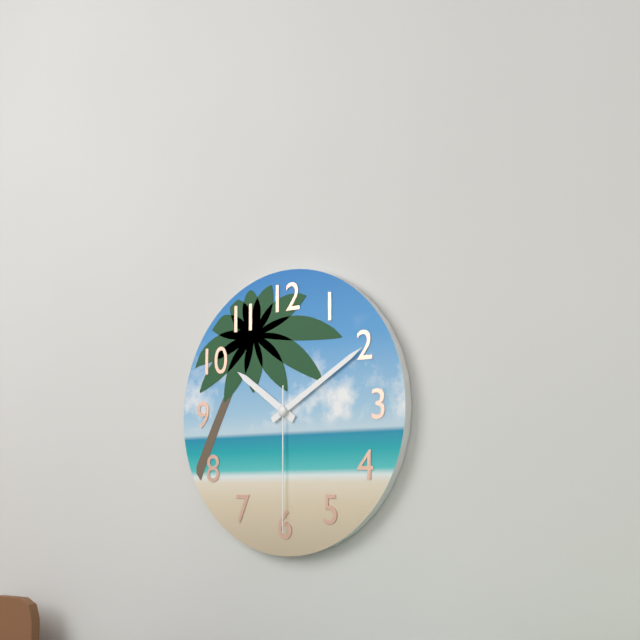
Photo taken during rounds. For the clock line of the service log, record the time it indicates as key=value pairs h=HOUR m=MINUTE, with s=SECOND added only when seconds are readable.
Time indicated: h=10 m=10 s=30
